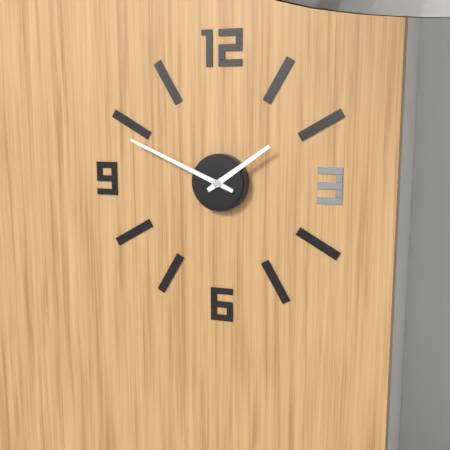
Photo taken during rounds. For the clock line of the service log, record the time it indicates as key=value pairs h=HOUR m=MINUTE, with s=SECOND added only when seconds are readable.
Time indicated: h=1 m=49
